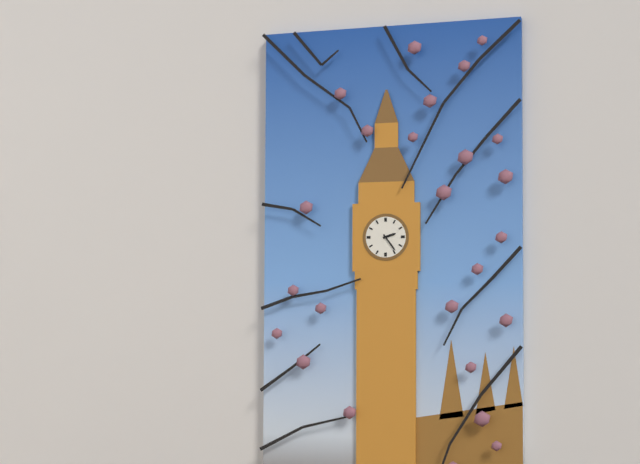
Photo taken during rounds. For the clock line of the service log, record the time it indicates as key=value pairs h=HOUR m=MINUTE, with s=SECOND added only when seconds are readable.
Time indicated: h=2 m=24
